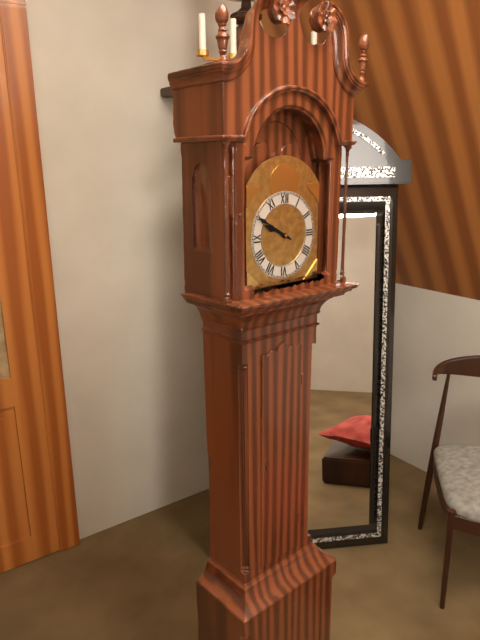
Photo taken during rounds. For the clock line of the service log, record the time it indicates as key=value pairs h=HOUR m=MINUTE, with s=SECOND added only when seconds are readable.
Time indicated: h=9 m=50
